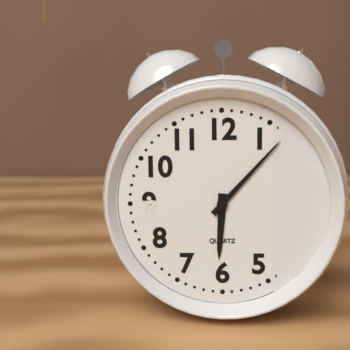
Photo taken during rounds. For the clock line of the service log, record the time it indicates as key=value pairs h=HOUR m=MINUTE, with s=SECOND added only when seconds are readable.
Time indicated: h=6 m=7
